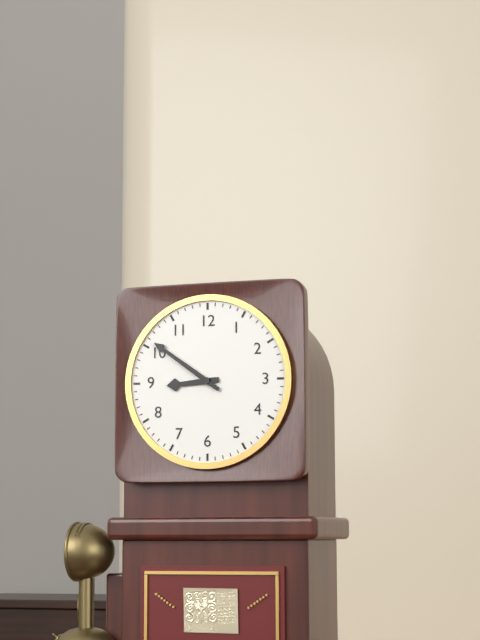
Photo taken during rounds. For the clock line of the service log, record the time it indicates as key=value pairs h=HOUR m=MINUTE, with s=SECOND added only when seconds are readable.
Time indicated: h=8 m=51
